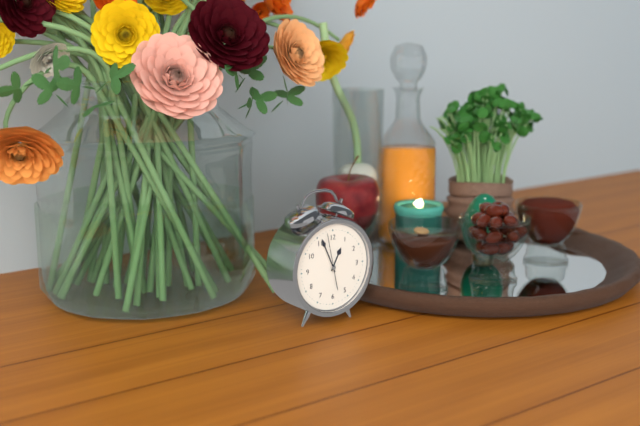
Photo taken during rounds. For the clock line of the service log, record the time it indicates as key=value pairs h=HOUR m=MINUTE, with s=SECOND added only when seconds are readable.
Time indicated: h=12 m=56
